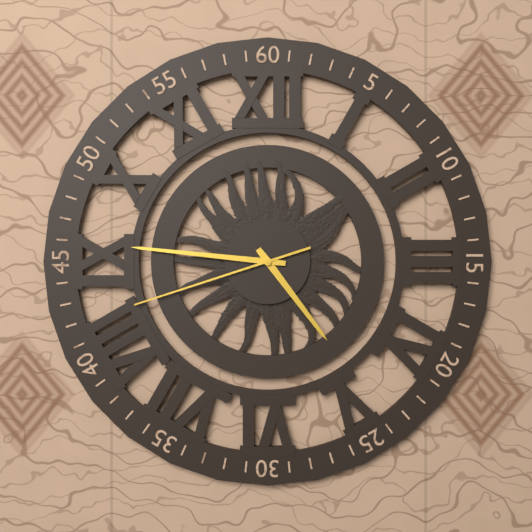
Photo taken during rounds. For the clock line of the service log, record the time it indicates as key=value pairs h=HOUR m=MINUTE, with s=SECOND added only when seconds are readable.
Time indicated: h=4 m=46 s=42
